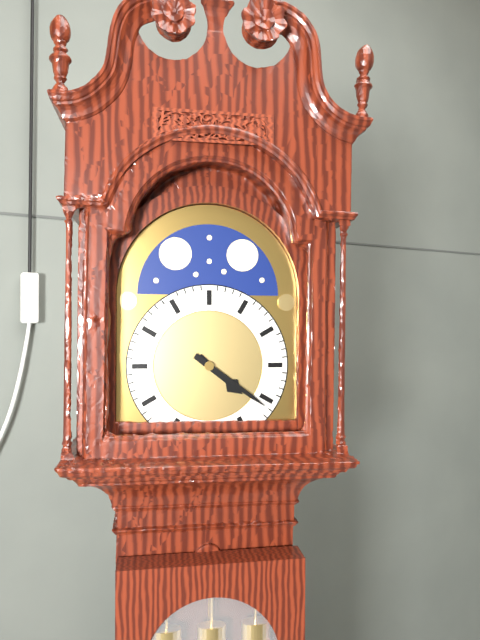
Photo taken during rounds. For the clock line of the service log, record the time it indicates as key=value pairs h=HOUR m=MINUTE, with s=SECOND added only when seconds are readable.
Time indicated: h=4 m=21
